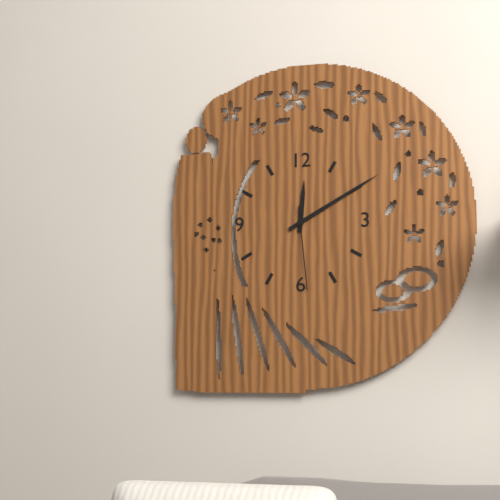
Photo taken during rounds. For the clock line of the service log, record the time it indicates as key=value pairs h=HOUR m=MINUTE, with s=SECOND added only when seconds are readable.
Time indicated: h=12 m=10 s=29
